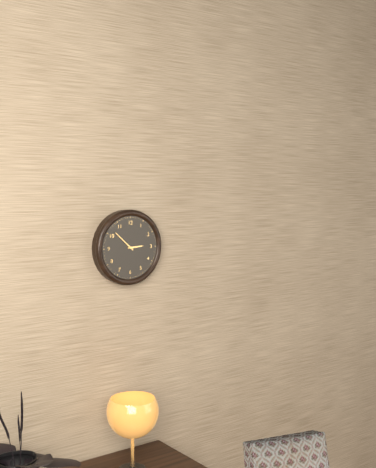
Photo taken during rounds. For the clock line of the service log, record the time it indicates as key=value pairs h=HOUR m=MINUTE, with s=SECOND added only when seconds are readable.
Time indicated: h=2 m=52
